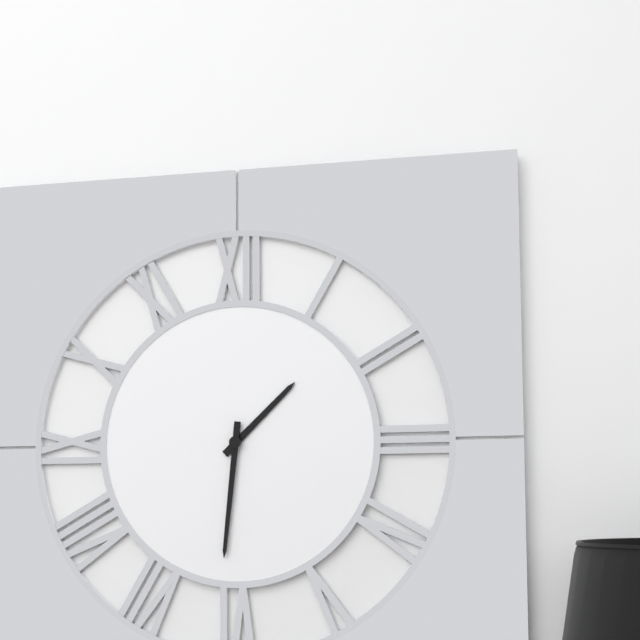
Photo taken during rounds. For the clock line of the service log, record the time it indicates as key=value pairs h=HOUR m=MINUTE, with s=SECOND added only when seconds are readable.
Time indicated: h=1 m=31
